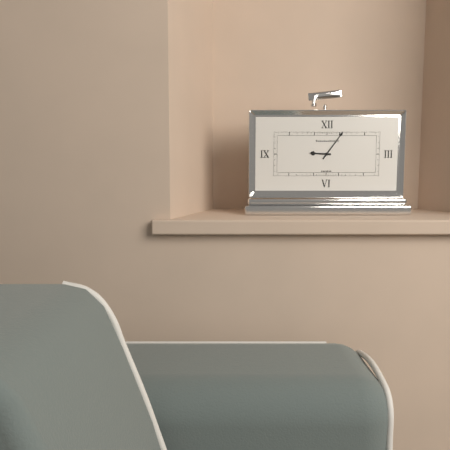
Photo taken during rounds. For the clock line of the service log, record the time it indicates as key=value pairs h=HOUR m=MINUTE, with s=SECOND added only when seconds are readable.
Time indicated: h=9 m=6
